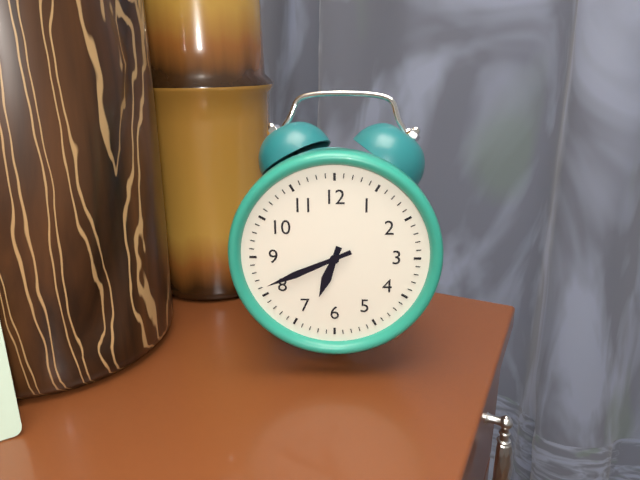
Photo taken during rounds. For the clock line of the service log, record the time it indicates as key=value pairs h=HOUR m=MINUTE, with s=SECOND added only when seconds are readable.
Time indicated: h=6 m=41
